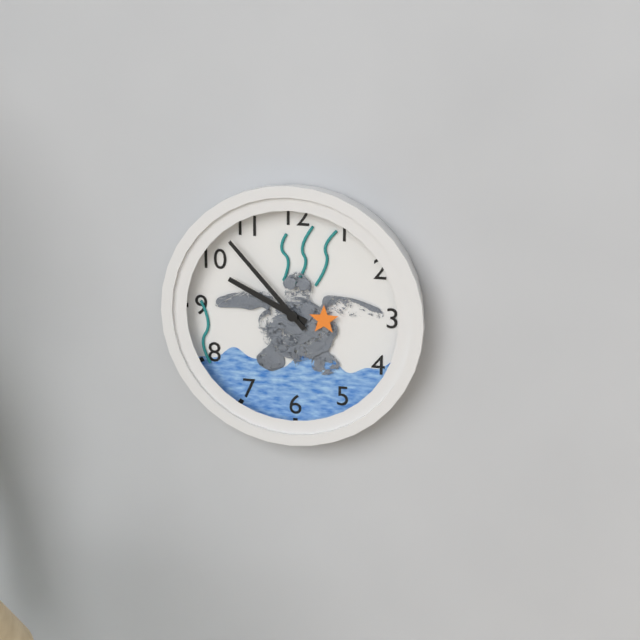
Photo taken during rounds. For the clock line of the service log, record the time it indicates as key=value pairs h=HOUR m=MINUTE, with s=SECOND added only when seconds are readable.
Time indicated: h=9 m=53
